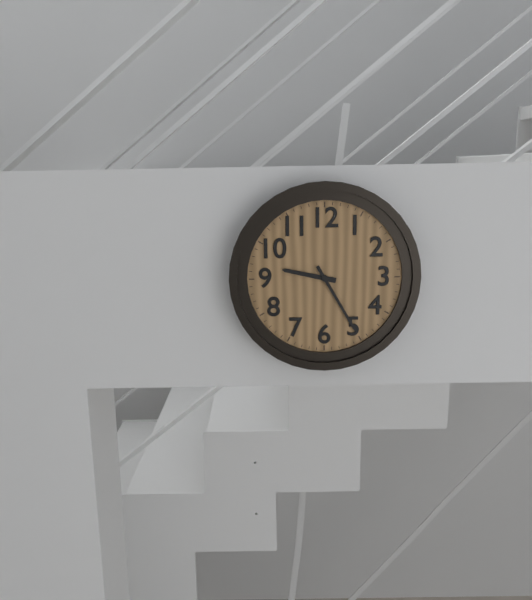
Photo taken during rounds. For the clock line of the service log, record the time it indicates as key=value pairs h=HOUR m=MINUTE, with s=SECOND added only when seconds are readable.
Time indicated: h=9 m=25
